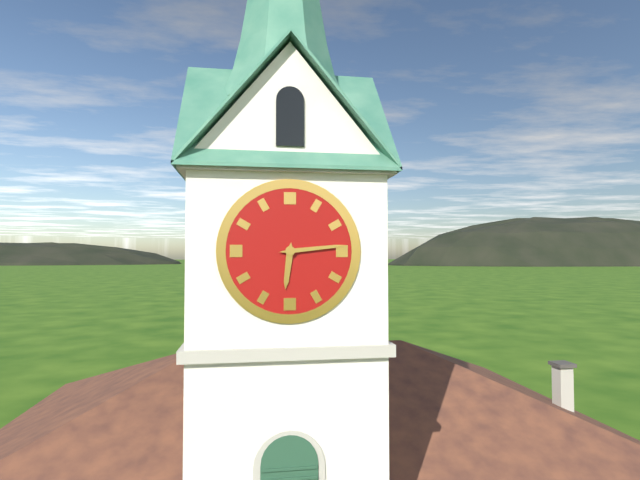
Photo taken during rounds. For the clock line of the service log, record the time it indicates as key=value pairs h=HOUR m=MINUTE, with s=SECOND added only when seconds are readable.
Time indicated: h=6 m=14
